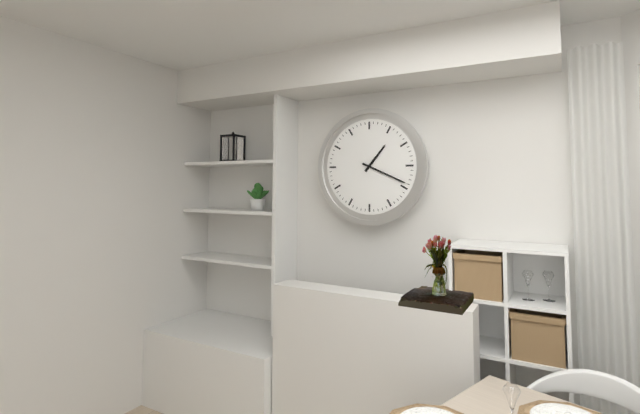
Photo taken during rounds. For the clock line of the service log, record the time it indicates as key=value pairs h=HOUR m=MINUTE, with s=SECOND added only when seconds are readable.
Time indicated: h=1 m=19
